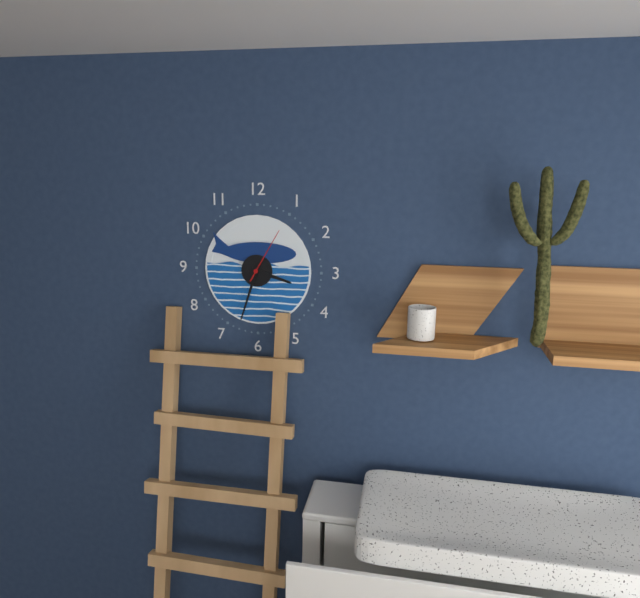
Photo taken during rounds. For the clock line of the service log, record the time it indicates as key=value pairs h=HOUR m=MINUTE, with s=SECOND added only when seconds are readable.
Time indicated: h=3 m=33 s=5
